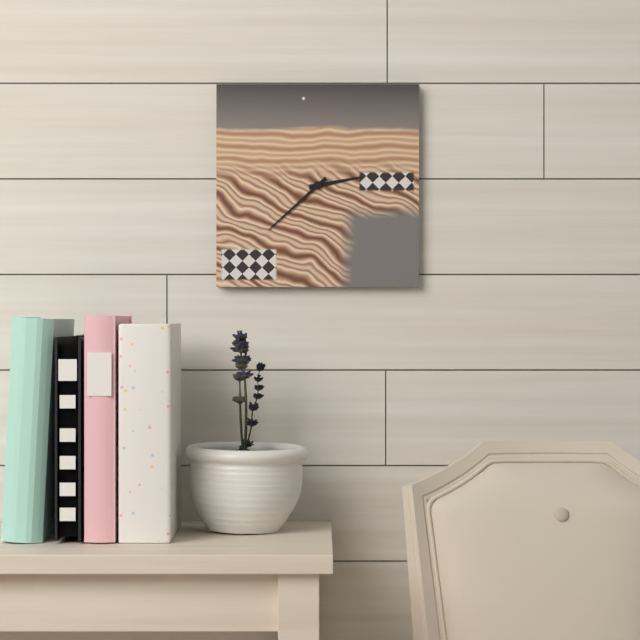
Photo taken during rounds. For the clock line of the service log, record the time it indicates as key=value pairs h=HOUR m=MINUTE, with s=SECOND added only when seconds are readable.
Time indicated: h=2 m=38
